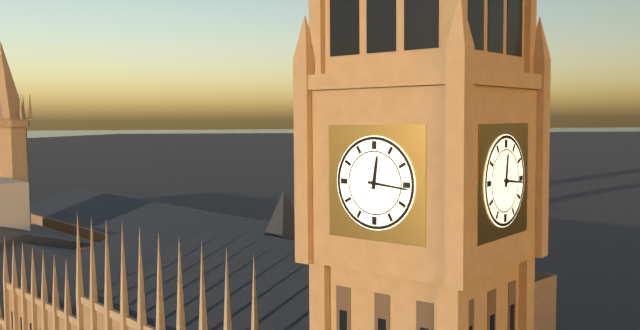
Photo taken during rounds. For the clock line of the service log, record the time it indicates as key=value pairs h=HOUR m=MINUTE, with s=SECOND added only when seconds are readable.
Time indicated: h=12 m=16
